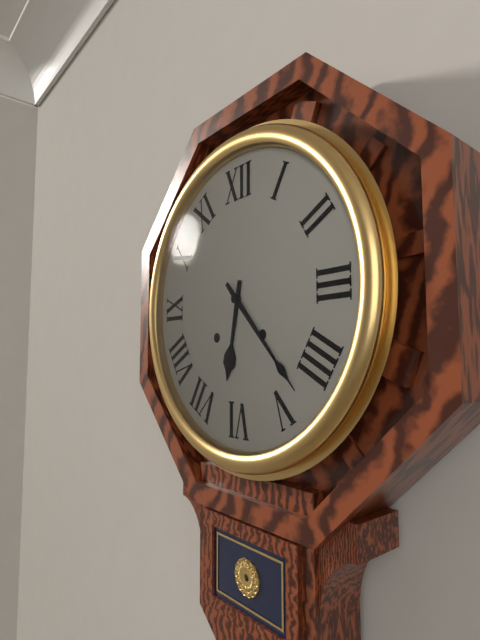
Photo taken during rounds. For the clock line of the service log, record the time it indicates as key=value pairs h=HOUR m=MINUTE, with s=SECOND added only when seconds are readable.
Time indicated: h=6 m=23
